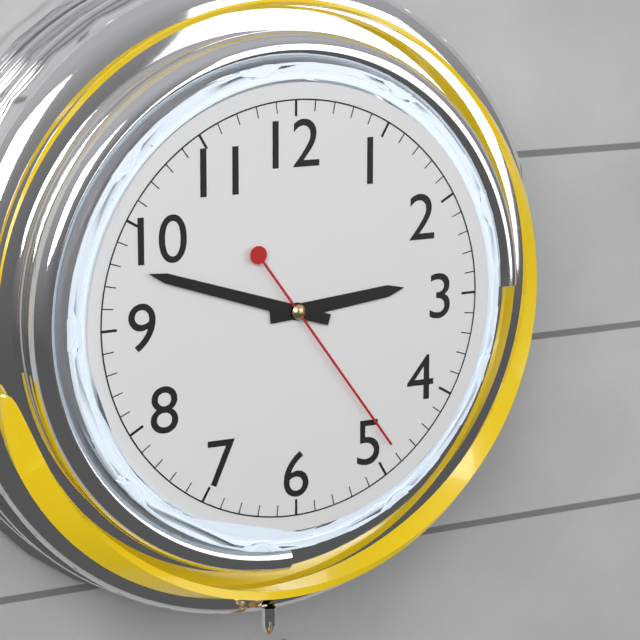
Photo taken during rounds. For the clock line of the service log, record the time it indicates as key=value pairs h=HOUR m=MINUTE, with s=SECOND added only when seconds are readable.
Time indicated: h=2 m=48 s=24
